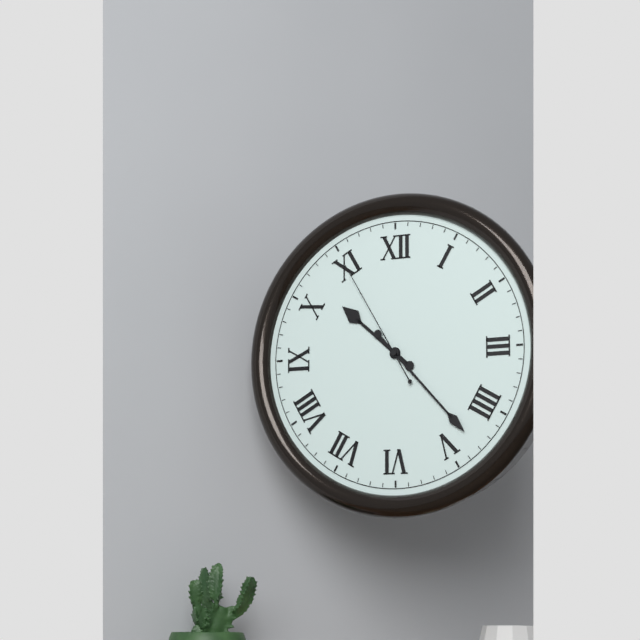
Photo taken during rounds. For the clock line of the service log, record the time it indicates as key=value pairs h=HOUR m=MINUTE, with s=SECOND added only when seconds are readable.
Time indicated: h=10 m=23 s=55
